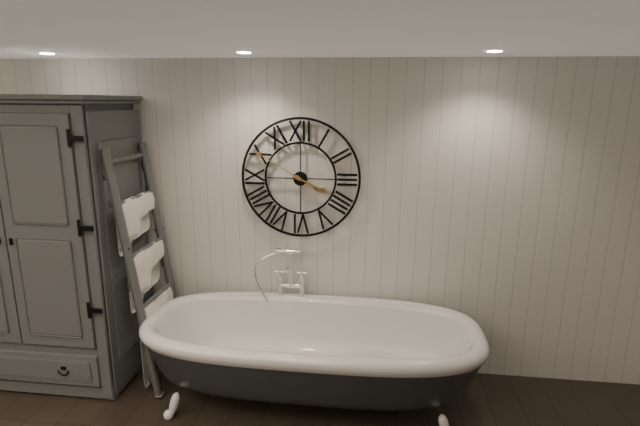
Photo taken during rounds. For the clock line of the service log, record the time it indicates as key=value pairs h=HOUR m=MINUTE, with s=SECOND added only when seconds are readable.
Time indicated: h=3 m=50
